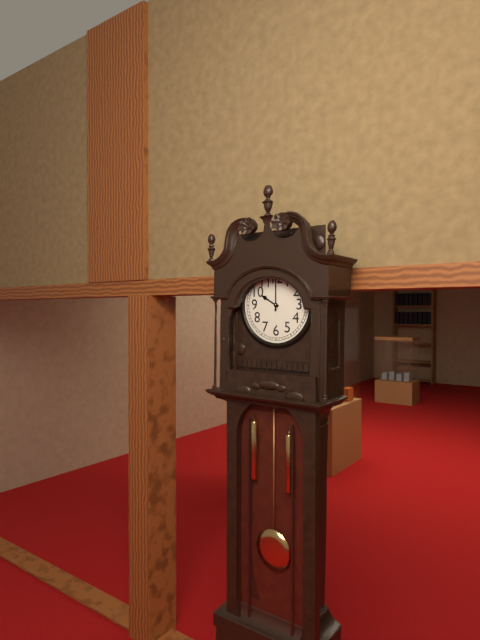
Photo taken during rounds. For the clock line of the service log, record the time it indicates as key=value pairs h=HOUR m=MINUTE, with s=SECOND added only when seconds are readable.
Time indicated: h=10 m=0
